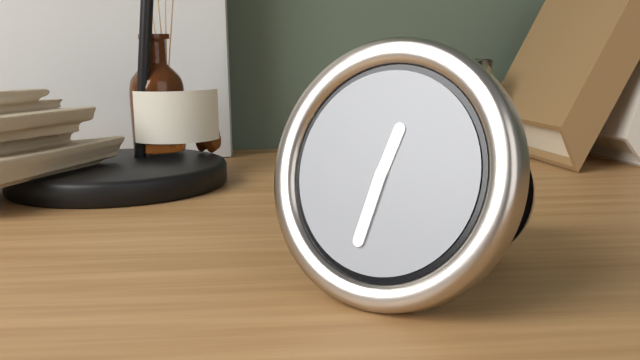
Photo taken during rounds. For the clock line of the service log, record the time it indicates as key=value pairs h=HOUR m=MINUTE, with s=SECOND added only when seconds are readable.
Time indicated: h=12 m=32
